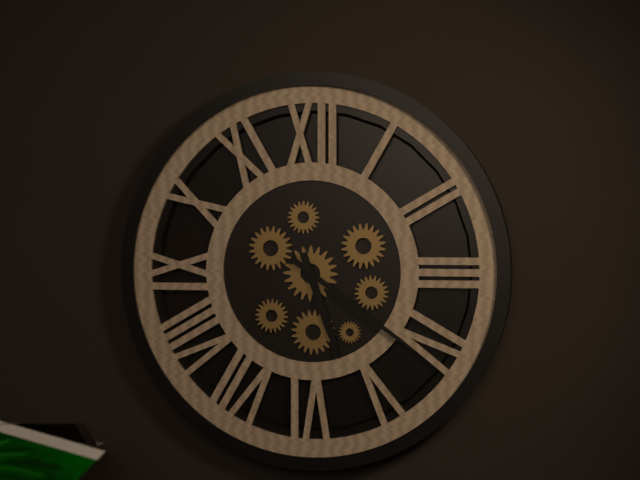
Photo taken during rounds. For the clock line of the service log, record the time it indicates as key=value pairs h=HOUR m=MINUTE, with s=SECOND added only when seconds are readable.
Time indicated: h=5 m=21
